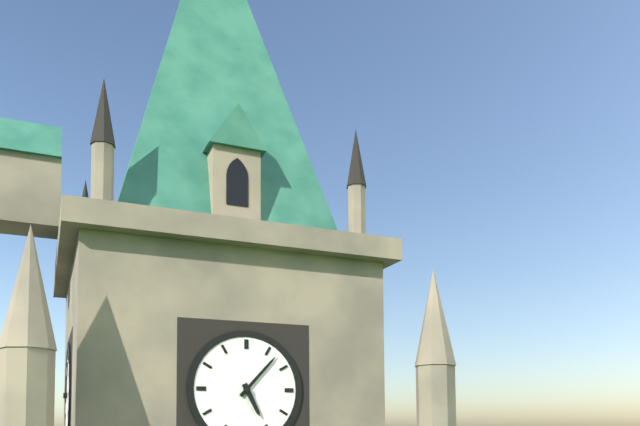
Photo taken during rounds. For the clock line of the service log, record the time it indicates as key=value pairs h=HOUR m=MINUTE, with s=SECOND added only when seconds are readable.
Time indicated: h=5 m=7
